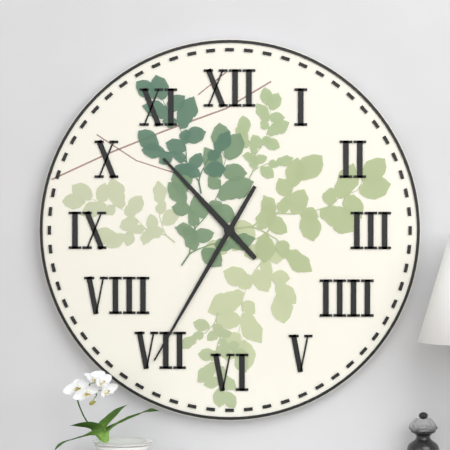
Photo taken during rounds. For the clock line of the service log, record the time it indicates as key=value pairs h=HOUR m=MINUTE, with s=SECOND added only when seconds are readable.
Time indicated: h=10 m=35
